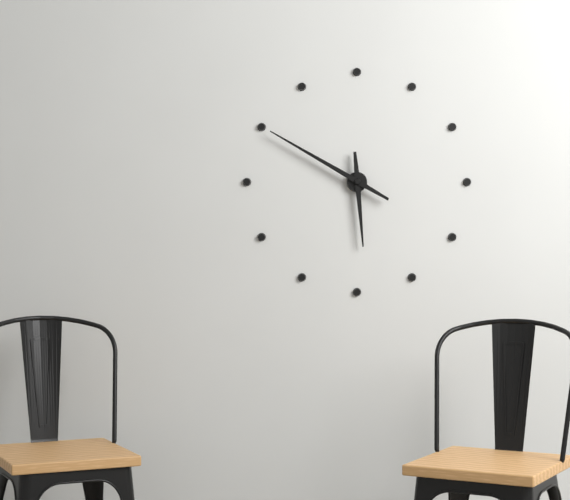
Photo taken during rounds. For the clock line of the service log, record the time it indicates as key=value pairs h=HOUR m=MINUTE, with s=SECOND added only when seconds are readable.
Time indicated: h=5 m=50
